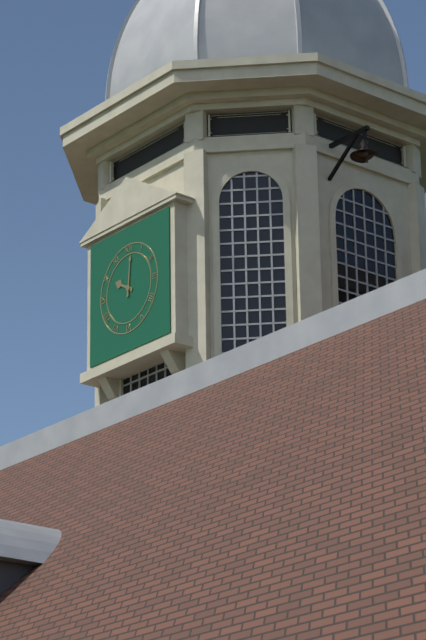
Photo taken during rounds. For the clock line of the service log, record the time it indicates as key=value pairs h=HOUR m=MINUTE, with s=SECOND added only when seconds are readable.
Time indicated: h=10 m=1
